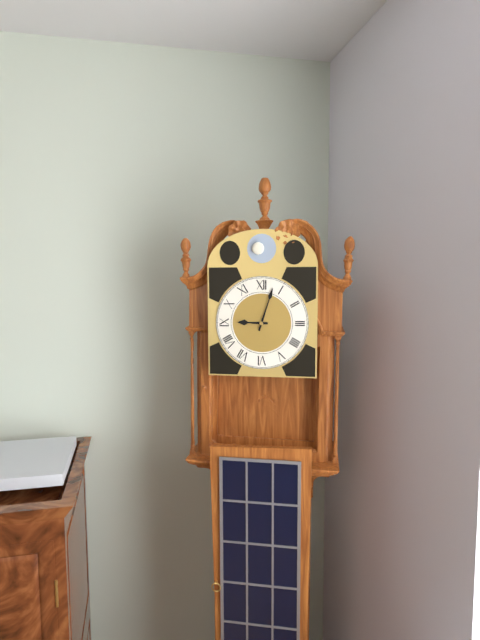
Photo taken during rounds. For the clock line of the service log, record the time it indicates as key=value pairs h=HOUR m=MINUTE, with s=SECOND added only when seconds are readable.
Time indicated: h=9 m=3
